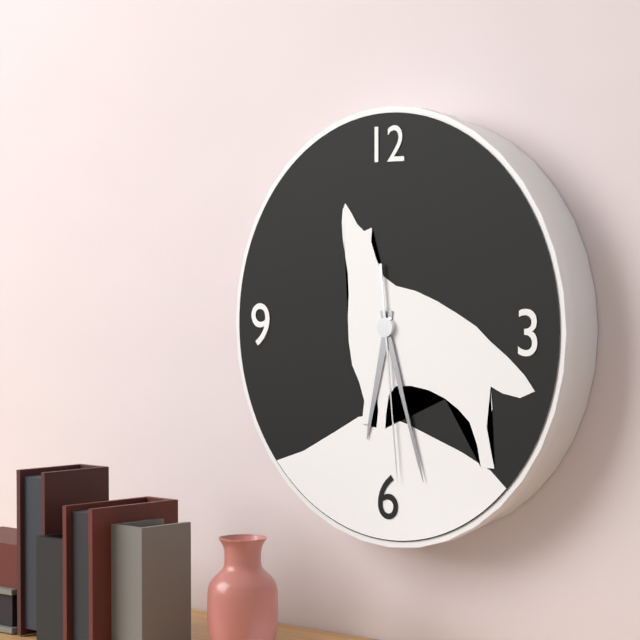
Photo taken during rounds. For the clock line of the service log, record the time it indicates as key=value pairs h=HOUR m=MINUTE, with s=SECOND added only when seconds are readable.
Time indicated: h=6 m=27 s=29
